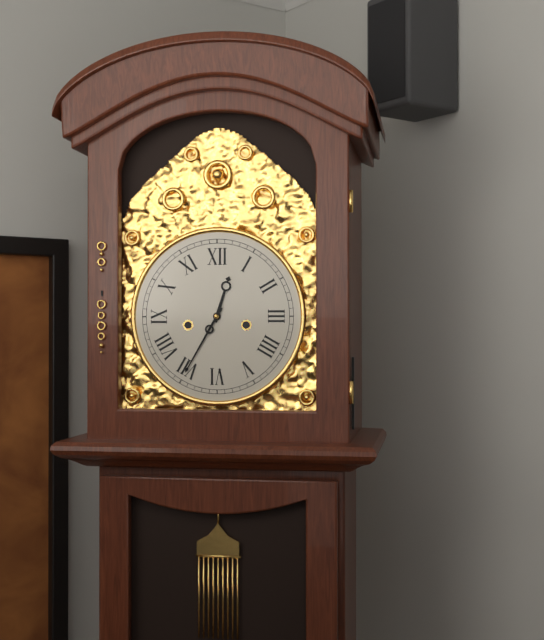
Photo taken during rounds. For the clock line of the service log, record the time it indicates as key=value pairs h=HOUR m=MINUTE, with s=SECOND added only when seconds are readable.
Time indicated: h=12 m=35
